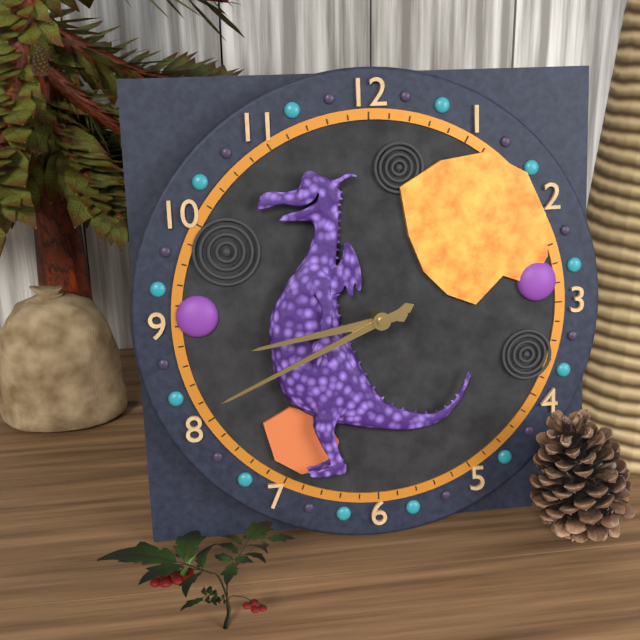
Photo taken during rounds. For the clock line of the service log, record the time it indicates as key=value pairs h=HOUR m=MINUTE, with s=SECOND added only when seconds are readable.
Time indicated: h=8 m=41
